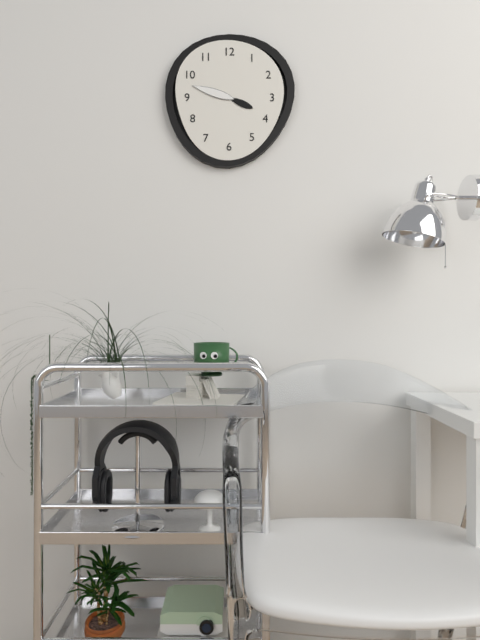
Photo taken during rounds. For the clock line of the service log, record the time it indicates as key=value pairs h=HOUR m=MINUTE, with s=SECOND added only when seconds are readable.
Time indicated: h=3 m=48
